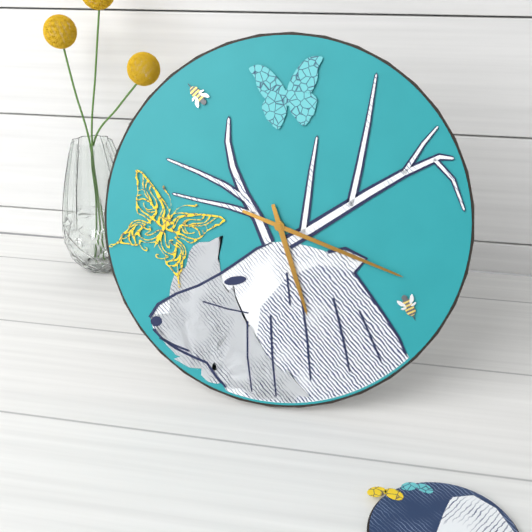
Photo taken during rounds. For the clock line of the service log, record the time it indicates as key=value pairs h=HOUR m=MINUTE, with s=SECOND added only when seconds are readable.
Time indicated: h=5 m=18
